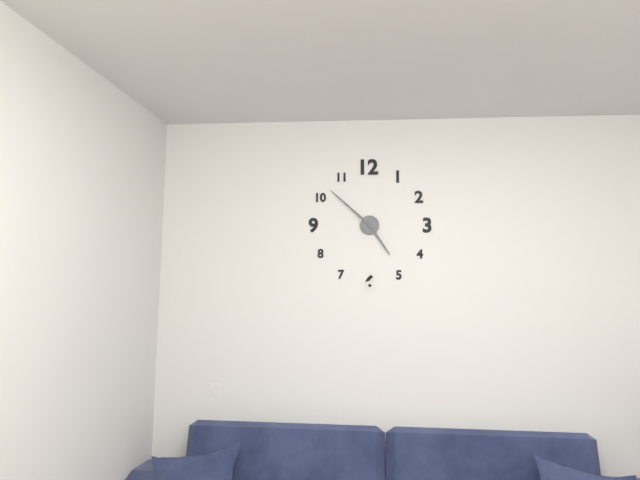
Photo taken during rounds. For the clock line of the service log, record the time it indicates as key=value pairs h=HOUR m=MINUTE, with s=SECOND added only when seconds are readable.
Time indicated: h=4 m=52
